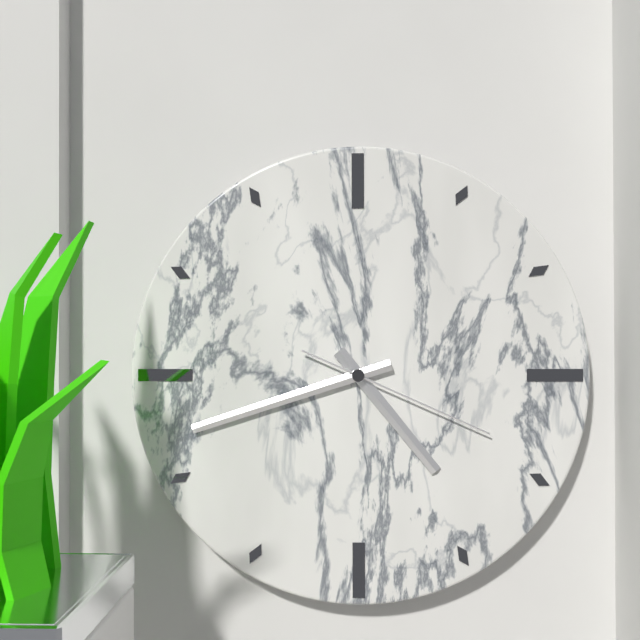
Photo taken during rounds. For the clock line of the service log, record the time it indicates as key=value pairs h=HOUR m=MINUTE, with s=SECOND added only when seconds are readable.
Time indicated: h=4 m=42 s=19
